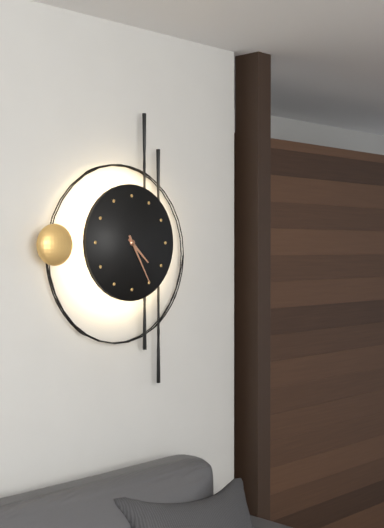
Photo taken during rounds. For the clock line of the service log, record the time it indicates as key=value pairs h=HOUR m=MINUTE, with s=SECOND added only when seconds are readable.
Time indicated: h=4 m=25
